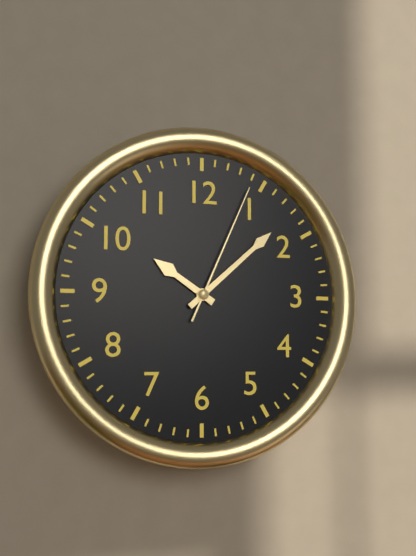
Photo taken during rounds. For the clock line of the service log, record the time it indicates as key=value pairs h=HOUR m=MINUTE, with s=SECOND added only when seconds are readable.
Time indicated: h=10 m=8 s=4
